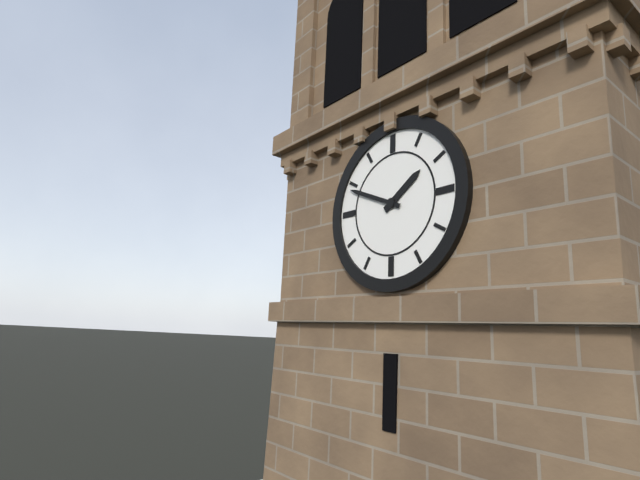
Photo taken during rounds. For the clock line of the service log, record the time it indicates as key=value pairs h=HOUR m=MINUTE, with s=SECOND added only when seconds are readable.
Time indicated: h=1 m=49
